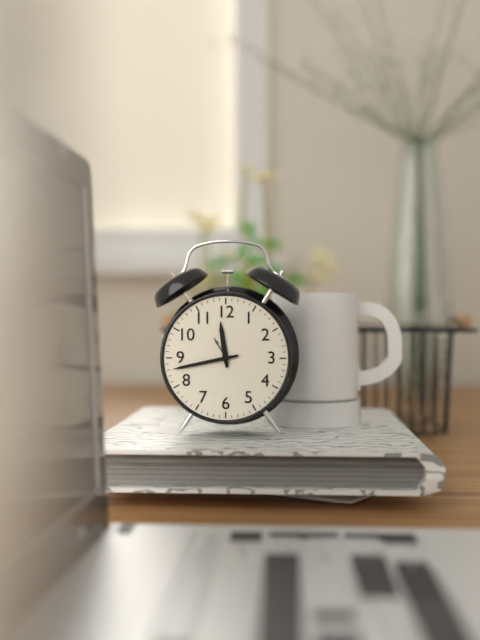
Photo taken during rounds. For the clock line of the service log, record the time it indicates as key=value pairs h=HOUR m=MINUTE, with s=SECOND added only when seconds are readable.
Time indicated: h=11 m=43
